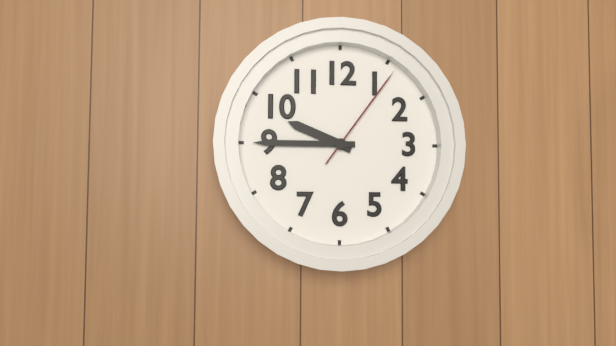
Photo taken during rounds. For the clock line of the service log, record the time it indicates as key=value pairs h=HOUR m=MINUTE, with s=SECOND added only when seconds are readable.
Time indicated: h=9 m=45 s=6
